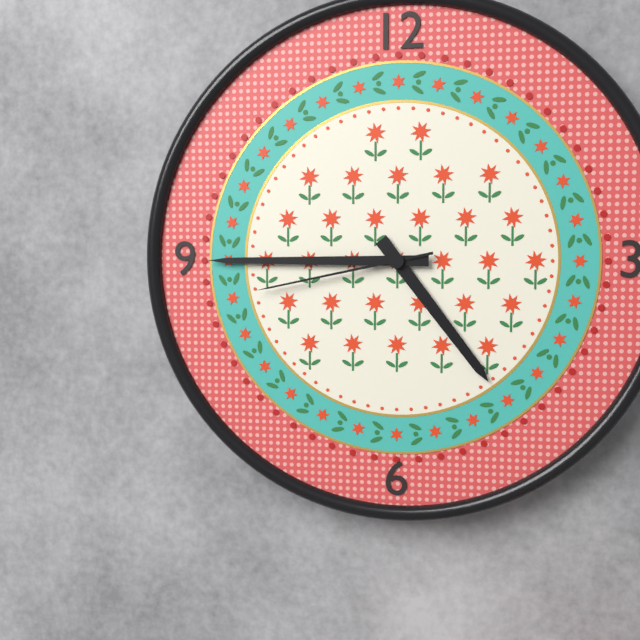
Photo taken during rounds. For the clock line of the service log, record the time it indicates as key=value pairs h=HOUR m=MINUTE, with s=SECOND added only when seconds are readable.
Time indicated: h=4 m=45 s=43
